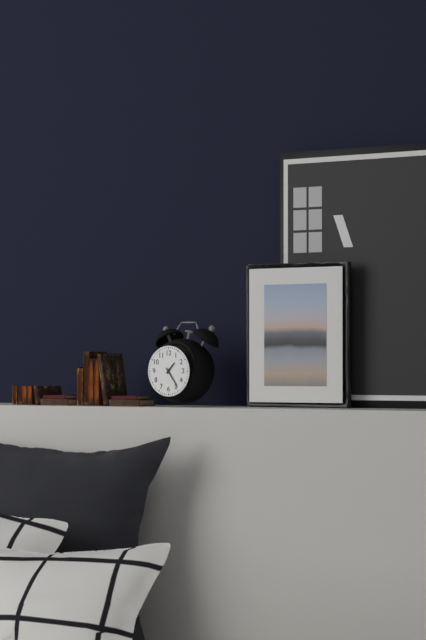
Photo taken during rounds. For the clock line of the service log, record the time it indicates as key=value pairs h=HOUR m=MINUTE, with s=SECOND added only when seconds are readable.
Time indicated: h=1 m=24
